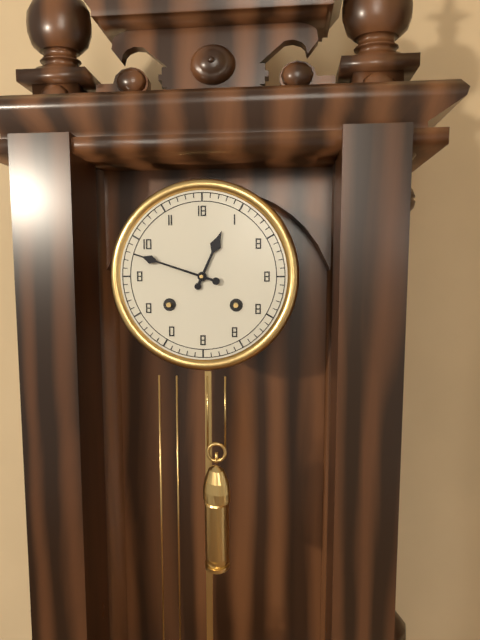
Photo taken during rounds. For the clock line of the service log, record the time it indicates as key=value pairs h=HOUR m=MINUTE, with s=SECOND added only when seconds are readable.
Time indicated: h=12 m=48
